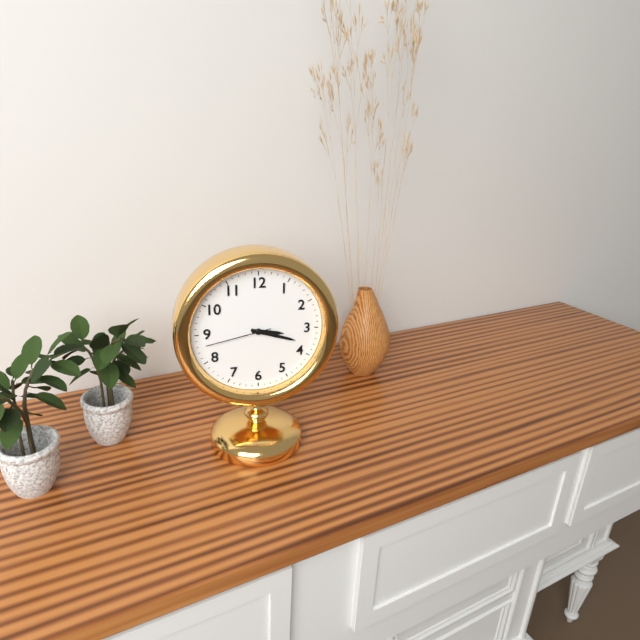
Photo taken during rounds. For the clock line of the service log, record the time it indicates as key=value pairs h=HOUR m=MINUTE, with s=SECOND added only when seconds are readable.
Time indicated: h=3 m=18 s=43
